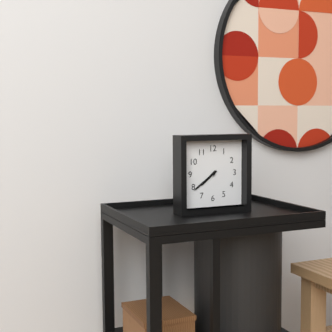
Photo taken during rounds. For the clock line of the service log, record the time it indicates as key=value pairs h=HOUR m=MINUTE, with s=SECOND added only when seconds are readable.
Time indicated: h=7 m=39
